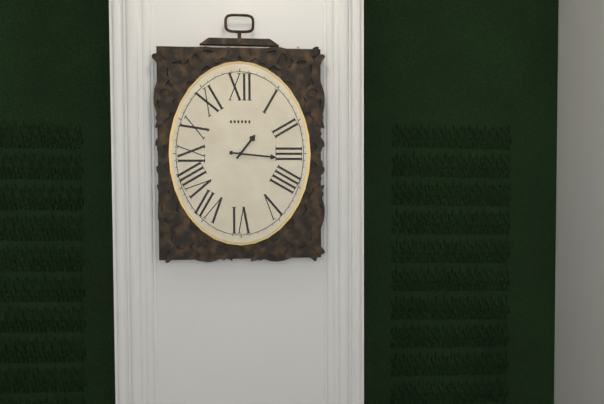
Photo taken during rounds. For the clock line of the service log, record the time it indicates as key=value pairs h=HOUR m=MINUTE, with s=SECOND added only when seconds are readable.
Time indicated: h=1 m=16
